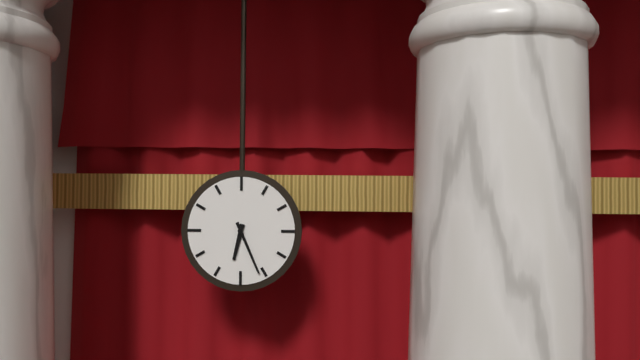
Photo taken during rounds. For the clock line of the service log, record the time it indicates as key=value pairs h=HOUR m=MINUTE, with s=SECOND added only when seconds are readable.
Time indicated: h=6 m=26
